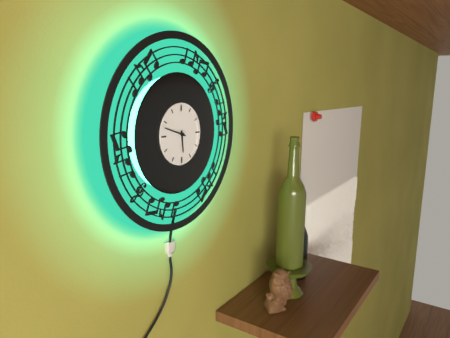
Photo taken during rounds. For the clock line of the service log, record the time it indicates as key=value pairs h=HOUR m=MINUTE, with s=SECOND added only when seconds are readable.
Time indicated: h=5 m=48
